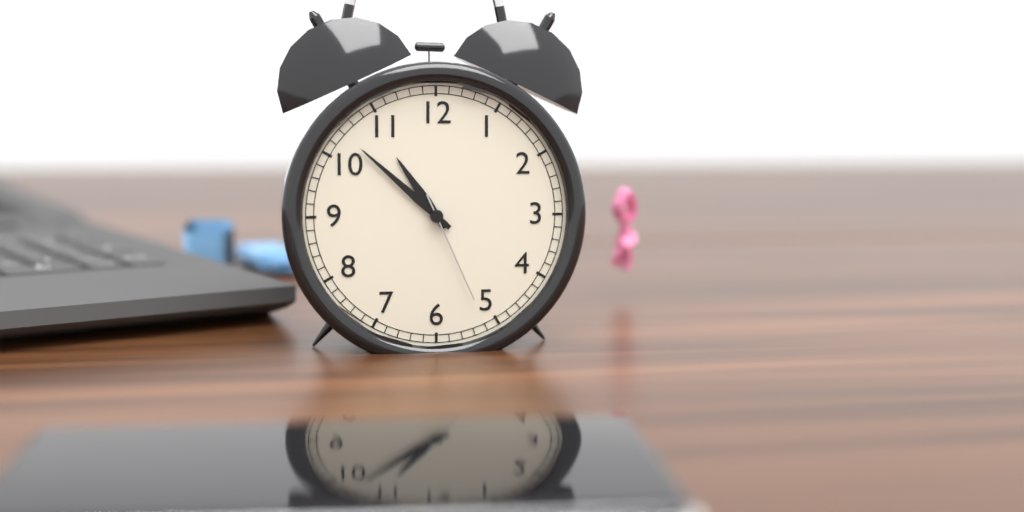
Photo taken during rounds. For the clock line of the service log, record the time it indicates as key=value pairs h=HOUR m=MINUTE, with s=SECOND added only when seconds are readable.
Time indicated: h=10 m=52 s=26
